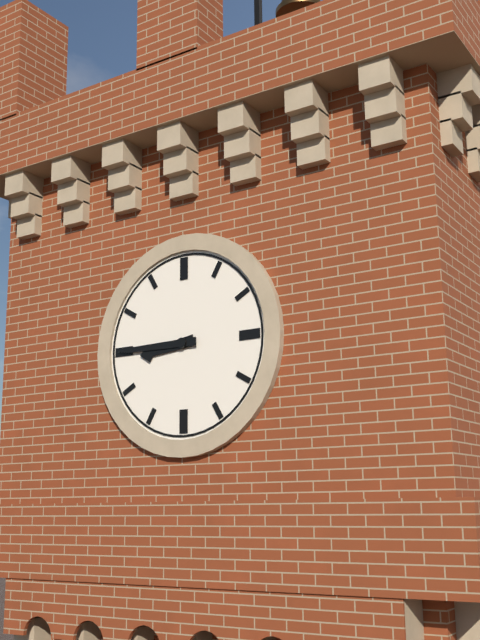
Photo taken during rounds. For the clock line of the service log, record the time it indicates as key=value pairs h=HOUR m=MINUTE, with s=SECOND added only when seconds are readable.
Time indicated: h=8 m=45
